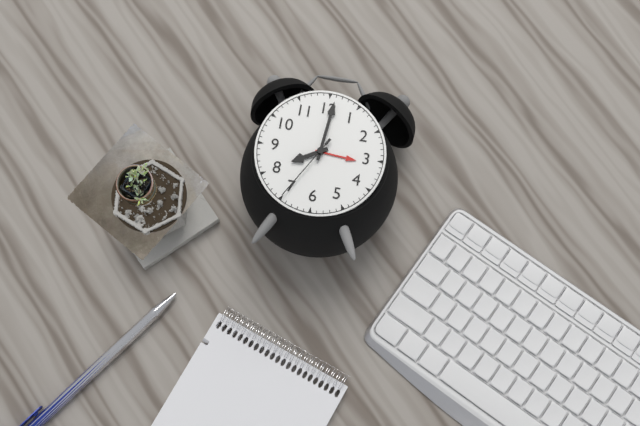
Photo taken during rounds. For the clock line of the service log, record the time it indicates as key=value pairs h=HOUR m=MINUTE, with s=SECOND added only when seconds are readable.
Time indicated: h=8 m=1 s=35
